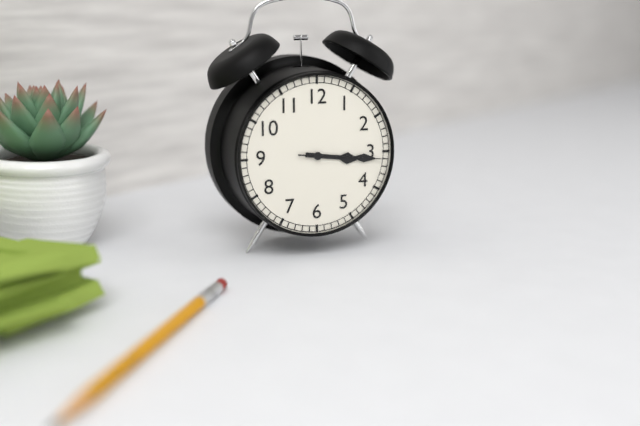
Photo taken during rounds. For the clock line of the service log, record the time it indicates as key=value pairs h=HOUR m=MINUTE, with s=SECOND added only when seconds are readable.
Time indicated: h=3 m=16 s=16
